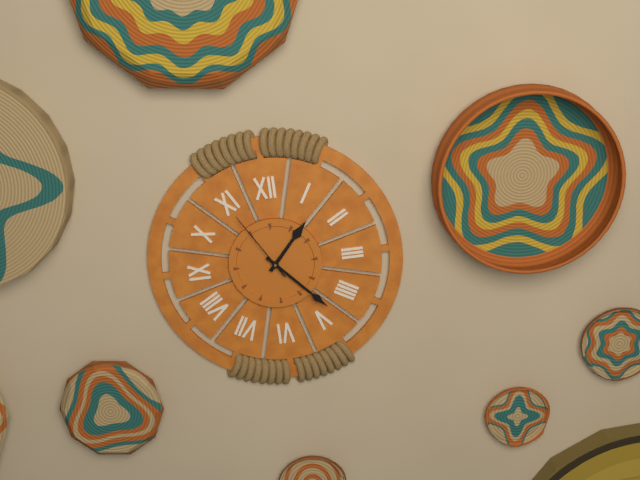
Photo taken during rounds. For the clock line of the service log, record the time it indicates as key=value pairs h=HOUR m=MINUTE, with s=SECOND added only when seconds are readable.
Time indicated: h=1 m=23 s=55
